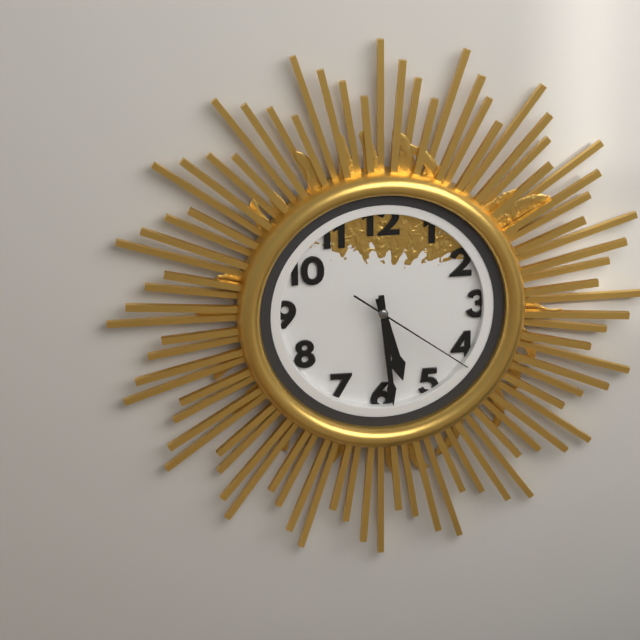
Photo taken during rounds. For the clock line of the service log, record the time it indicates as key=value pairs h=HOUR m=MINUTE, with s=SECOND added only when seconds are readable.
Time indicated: h=5 m=29 s=21
